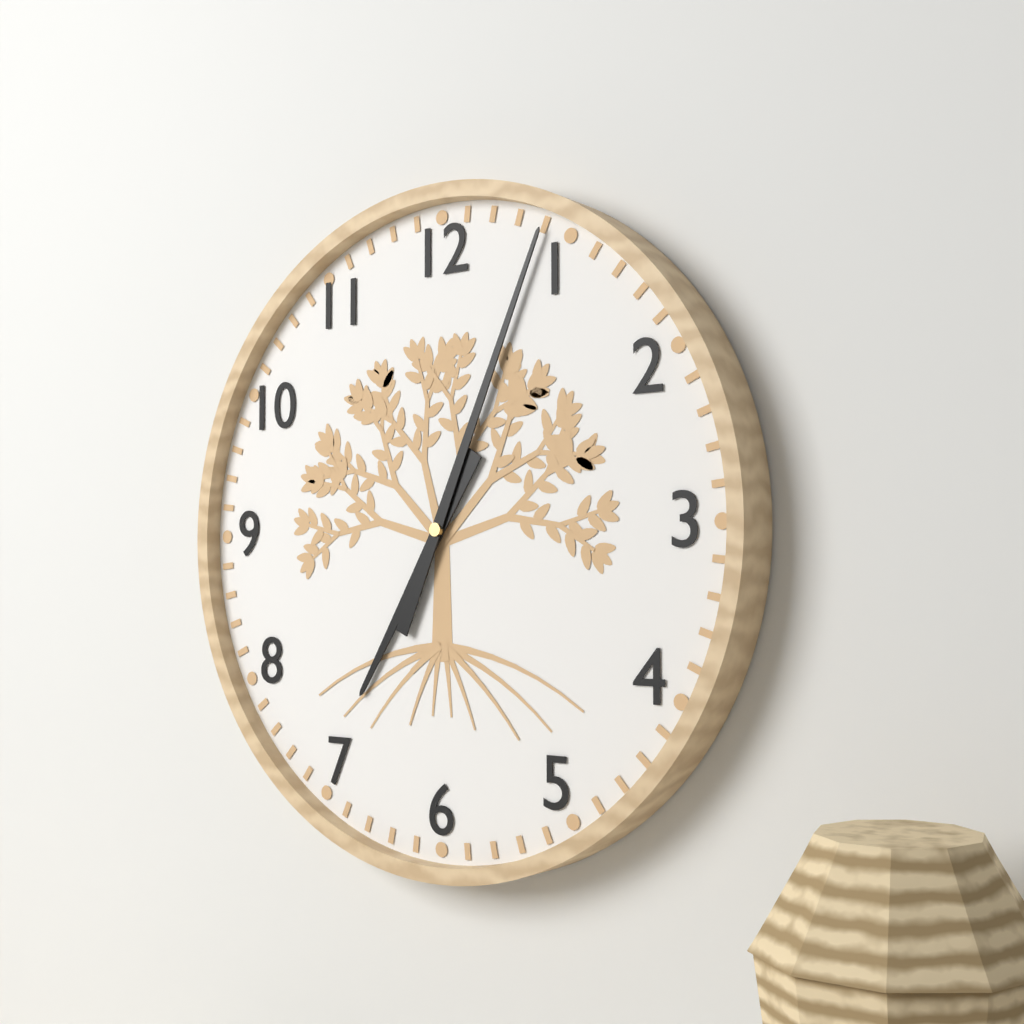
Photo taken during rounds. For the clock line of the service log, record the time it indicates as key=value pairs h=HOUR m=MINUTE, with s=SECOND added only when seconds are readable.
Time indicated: h=7 m=4
